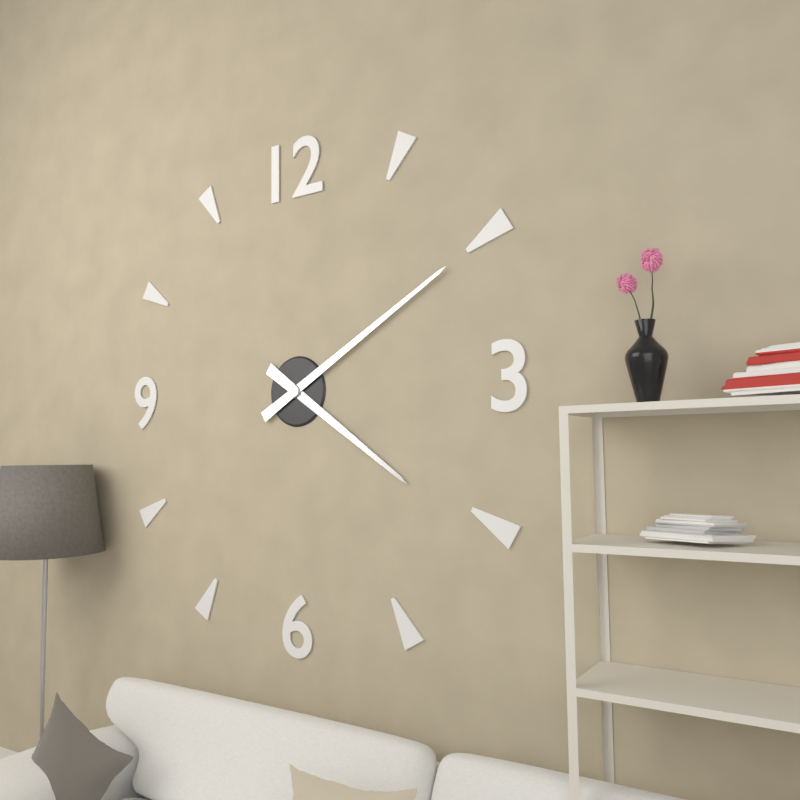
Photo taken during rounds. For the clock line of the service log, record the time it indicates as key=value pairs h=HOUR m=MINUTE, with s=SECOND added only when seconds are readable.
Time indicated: h=4 m=10
